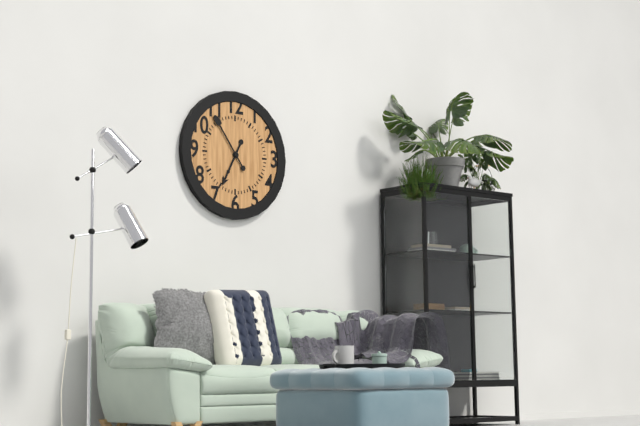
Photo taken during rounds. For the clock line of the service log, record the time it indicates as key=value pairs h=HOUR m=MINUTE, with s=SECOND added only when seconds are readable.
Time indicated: h=6 m=54
